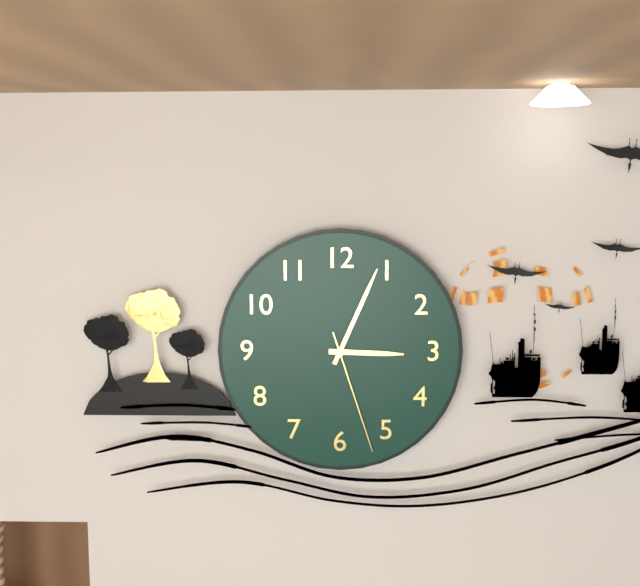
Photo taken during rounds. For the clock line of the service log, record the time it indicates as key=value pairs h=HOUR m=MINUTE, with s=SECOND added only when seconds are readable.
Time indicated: h=3 m=4 s=27
